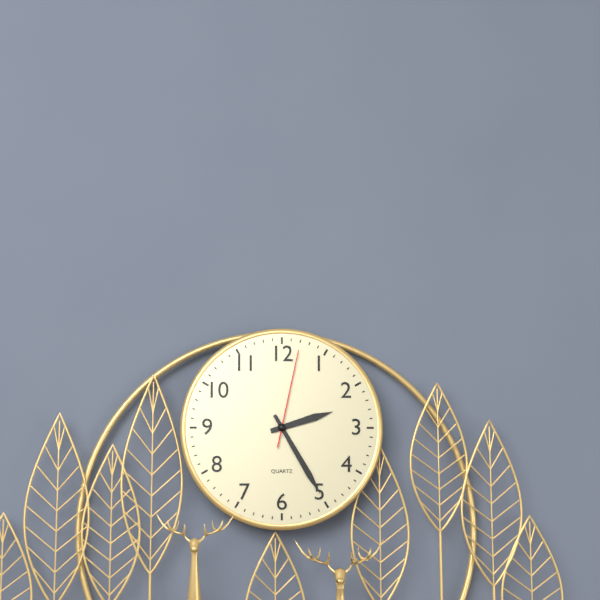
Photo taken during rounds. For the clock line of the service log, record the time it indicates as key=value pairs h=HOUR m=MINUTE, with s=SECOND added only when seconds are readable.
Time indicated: h=2 m=25 s=2
